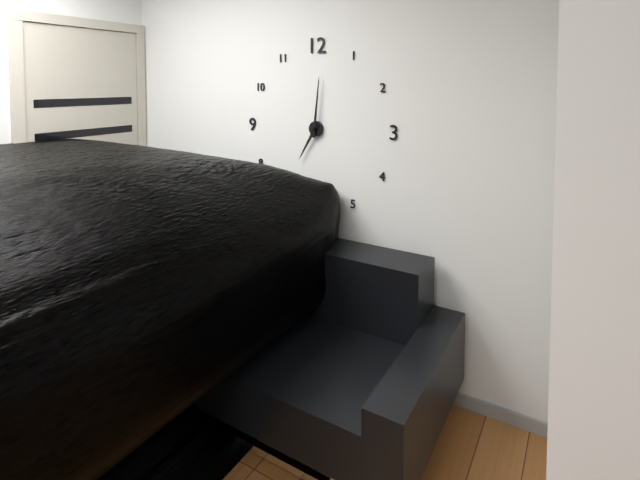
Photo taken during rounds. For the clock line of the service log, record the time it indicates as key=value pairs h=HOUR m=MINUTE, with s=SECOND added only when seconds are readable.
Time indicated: h=7 m=1
